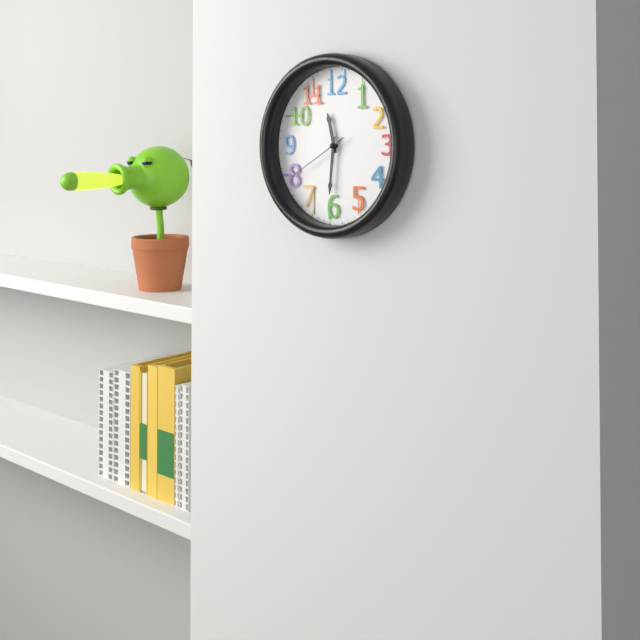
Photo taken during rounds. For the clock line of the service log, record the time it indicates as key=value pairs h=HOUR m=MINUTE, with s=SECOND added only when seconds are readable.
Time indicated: h=11 m=31 s=40
